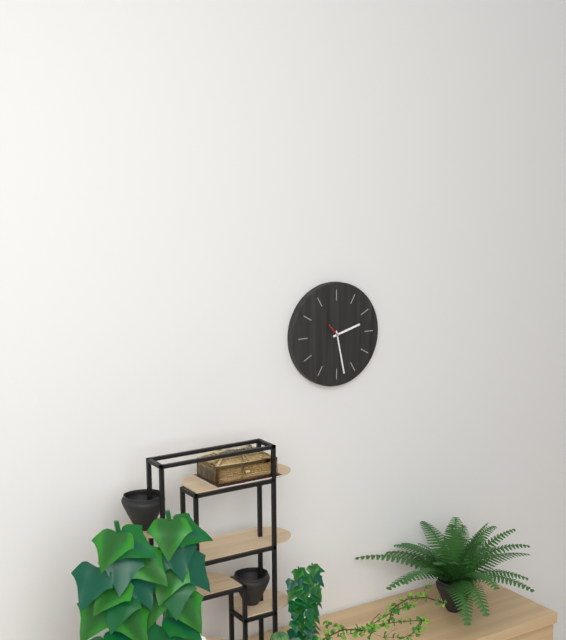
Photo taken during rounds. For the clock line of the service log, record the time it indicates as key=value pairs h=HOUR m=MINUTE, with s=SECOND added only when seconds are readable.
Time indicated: h=2 m=28
